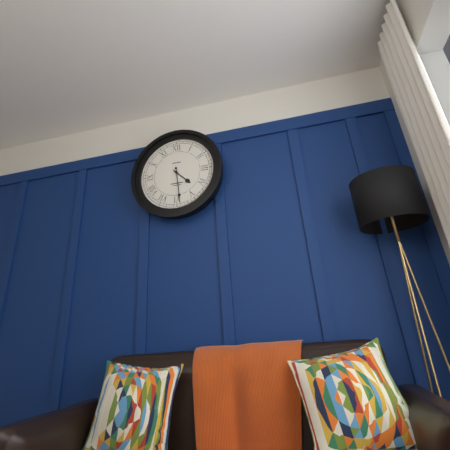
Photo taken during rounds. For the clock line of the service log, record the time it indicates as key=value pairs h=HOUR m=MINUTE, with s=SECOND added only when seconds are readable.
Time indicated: h=4 m=29
